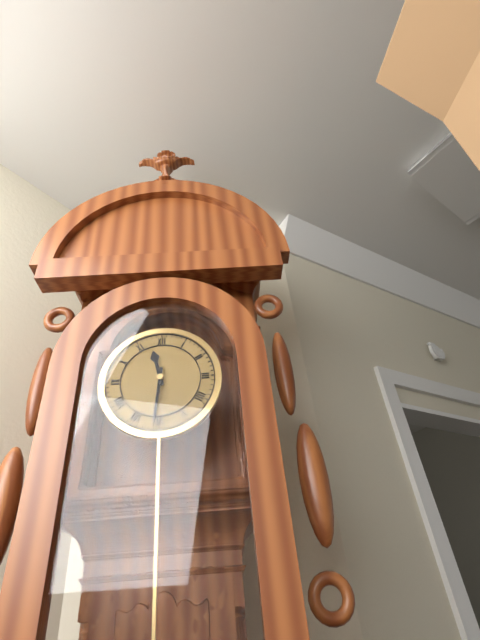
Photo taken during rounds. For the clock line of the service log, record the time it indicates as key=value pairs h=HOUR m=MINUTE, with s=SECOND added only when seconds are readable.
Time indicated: h=11 m=31
